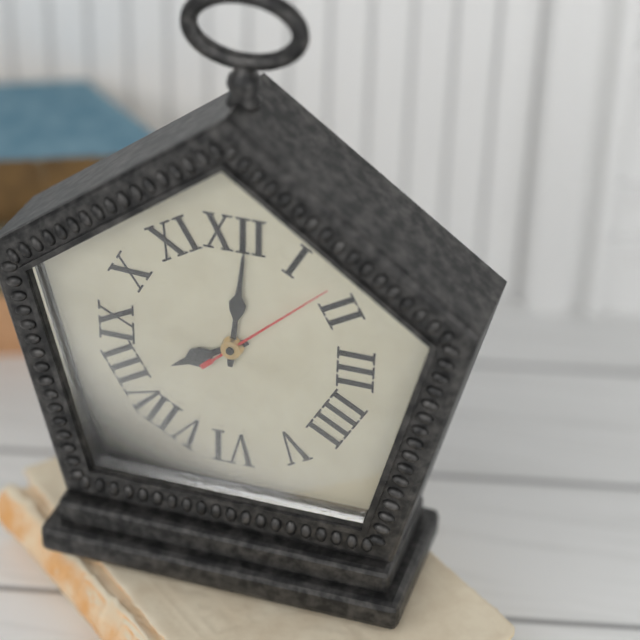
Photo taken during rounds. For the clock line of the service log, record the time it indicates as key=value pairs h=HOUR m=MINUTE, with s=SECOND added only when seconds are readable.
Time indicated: h=8 m=1 s=8
